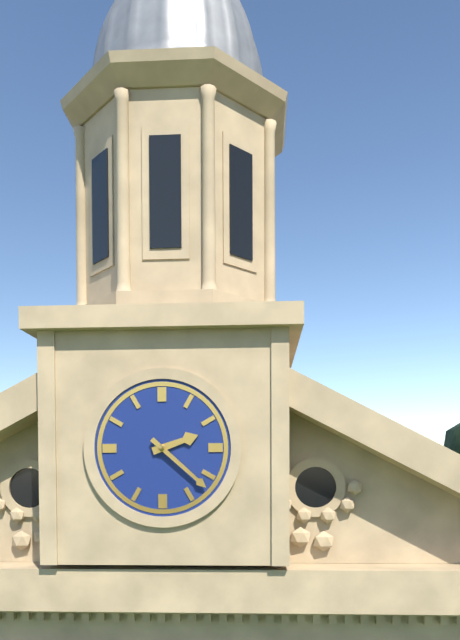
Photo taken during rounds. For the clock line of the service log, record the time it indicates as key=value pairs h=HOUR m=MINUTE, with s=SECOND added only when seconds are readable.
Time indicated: h=2 m=22
